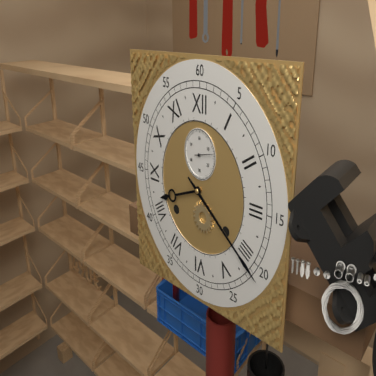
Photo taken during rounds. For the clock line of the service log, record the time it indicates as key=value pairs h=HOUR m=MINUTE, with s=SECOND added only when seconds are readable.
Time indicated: h=8 m=21
